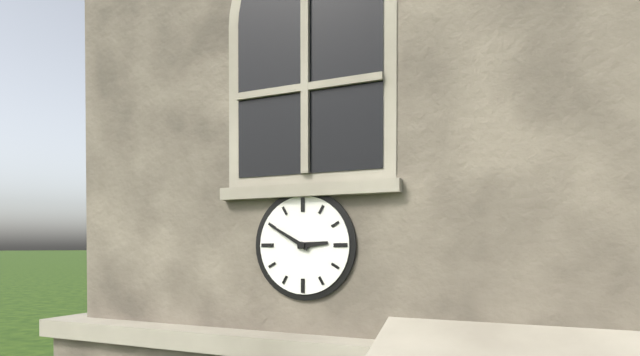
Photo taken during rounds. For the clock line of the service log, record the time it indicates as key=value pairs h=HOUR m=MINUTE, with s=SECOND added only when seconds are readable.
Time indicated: h=2 m=50
